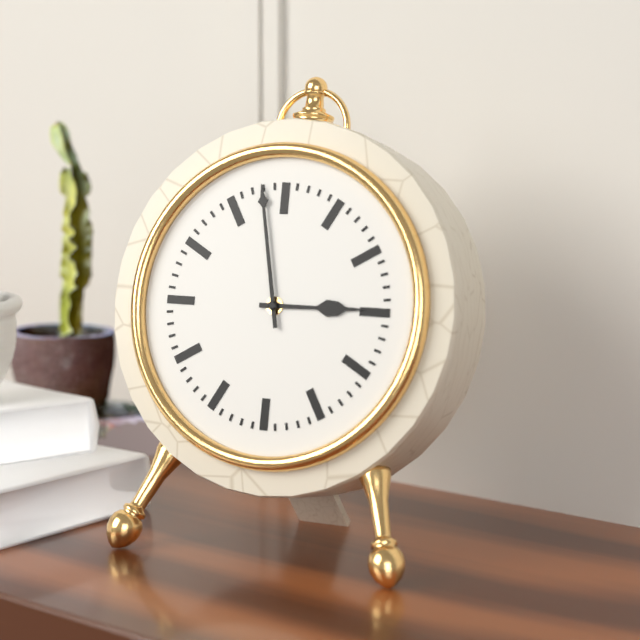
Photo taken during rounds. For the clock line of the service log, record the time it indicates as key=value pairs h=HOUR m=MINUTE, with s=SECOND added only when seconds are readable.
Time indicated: h=2 m=58
